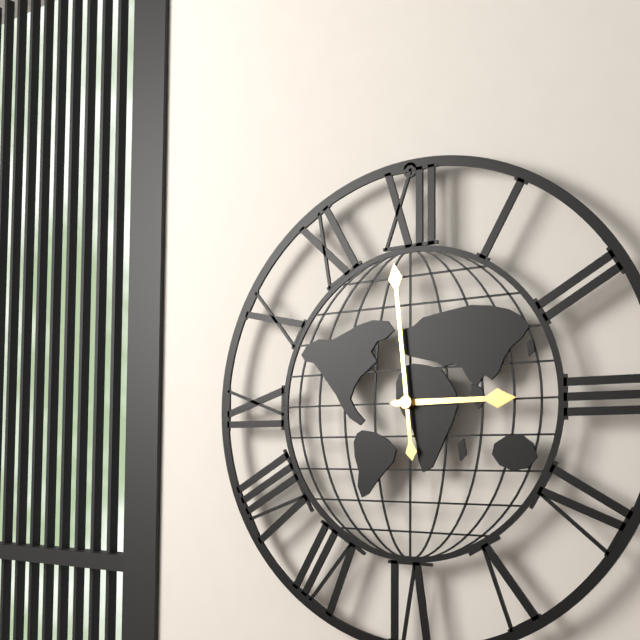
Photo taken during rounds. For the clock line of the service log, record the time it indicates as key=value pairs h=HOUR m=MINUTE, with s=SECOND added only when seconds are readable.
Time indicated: h=2 m=59
